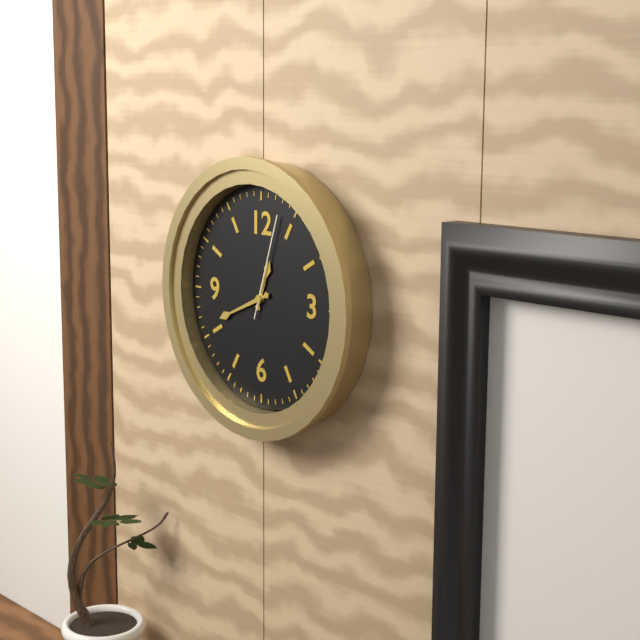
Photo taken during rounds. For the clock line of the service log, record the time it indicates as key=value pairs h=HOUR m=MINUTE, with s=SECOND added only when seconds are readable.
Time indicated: h=12 m=41 s=3
